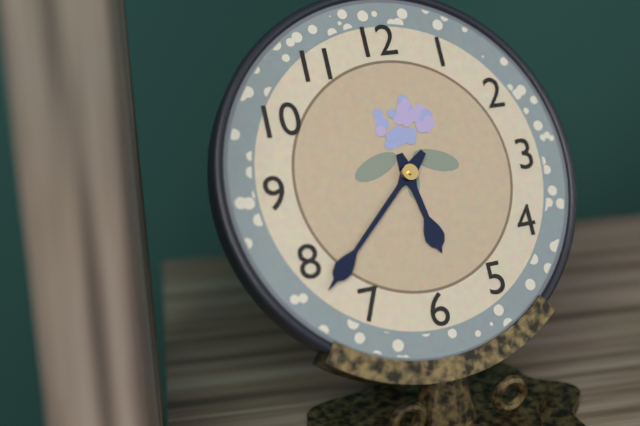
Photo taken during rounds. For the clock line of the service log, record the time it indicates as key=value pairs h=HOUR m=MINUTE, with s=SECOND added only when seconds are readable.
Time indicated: h=5 m=38
